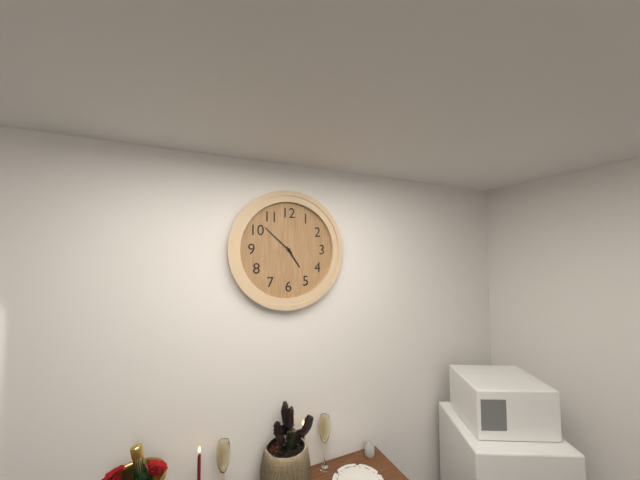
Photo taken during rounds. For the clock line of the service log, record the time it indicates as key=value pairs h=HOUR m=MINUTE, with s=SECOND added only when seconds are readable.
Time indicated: h=4 m=52
